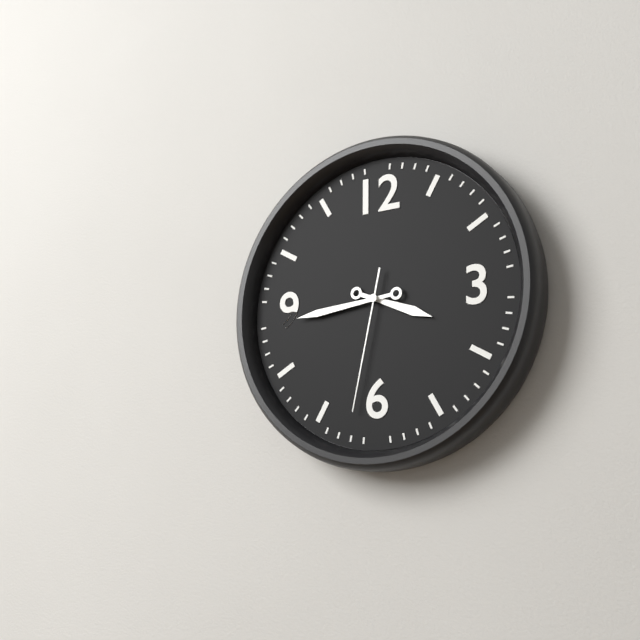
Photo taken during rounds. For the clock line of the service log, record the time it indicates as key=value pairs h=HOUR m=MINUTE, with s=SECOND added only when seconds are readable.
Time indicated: h=3 m=44 s=32
